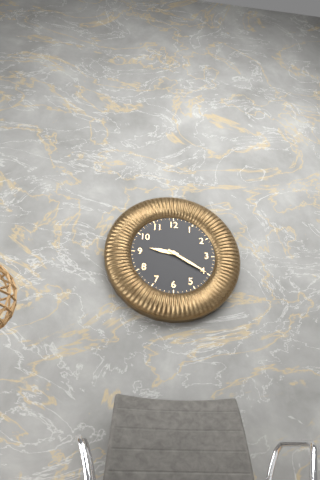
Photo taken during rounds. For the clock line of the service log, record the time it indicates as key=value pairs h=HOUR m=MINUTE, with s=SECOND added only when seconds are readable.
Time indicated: h=9 m=20
